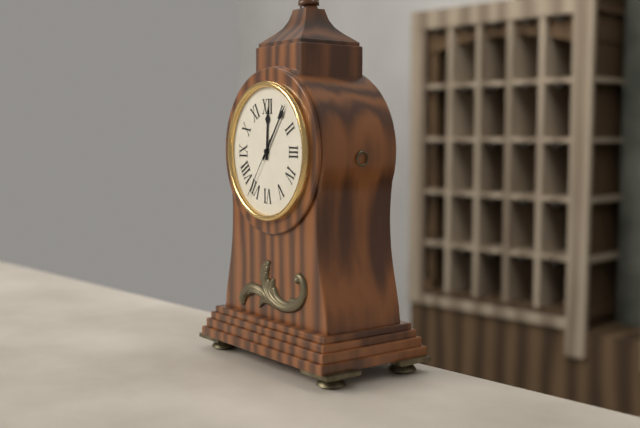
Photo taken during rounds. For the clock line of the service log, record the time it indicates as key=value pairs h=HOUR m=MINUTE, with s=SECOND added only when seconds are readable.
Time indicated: h=12 m=6 s=36
